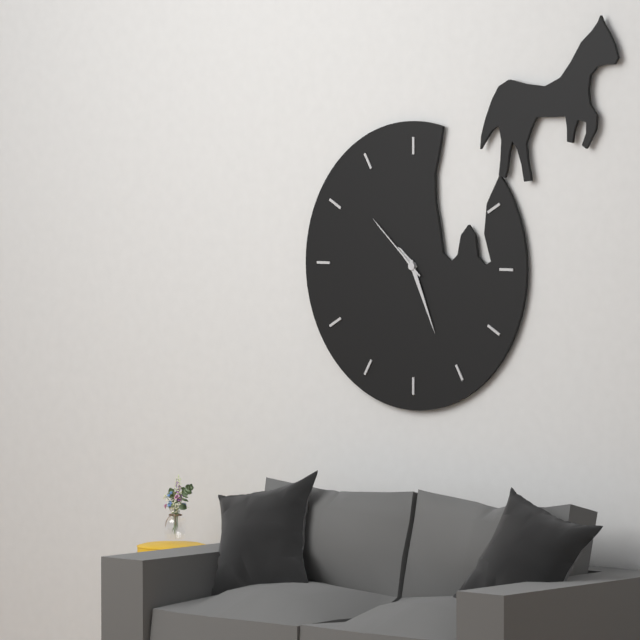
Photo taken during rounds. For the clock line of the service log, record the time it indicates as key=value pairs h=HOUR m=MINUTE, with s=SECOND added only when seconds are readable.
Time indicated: h=10 m=26 s=52
